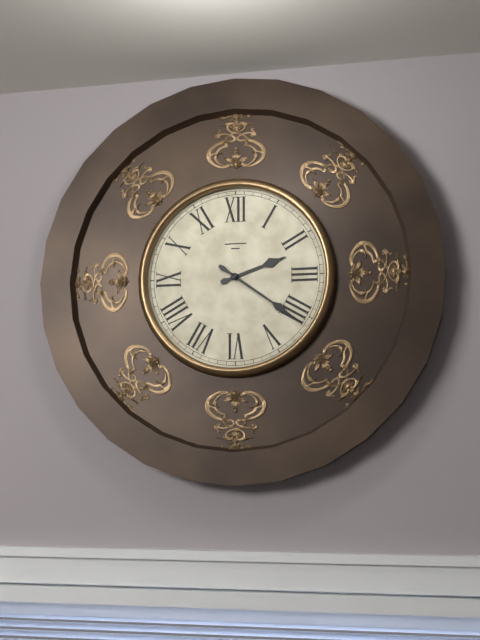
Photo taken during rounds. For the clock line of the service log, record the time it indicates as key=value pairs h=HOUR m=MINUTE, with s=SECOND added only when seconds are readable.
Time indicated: h=2 m=21
